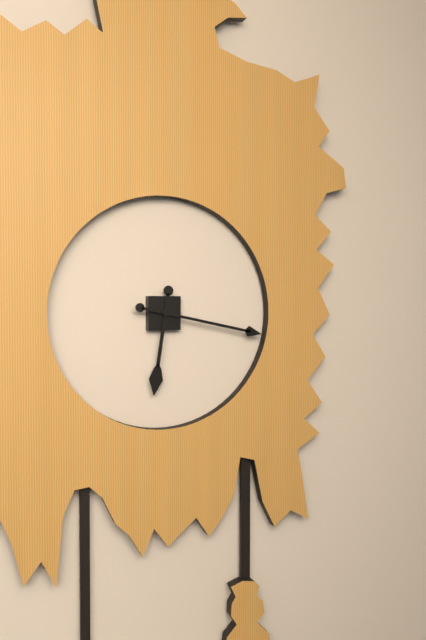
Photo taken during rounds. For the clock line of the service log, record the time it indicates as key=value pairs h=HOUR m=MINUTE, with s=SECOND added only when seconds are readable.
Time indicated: h=6 m=17
